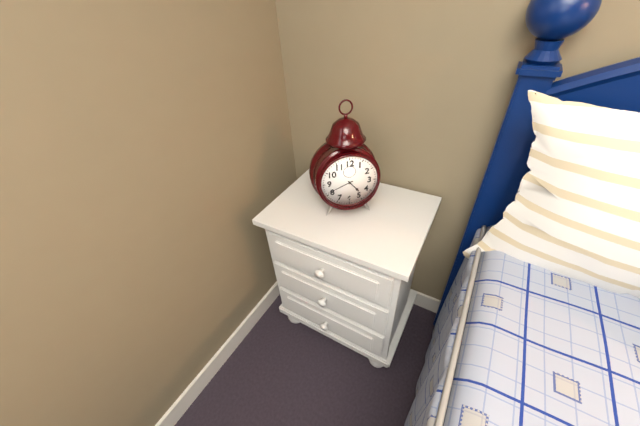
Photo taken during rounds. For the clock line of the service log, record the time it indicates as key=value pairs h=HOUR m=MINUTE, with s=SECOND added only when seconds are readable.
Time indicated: h=4 m=41
